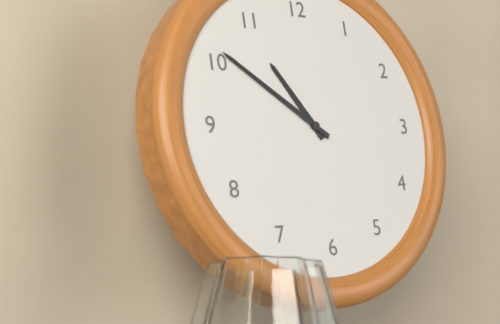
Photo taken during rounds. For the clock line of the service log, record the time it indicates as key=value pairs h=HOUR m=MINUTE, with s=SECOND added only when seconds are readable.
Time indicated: h=10 m=51
